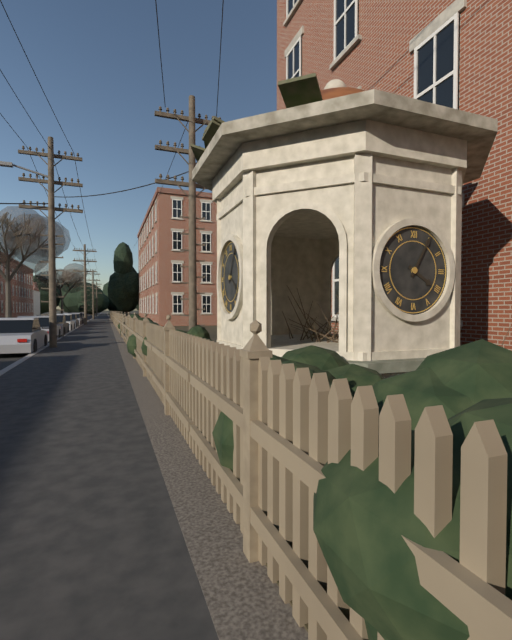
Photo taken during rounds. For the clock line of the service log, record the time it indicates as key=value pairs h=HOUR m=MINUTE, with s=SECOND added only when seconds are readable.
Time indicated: h=4 m=5
